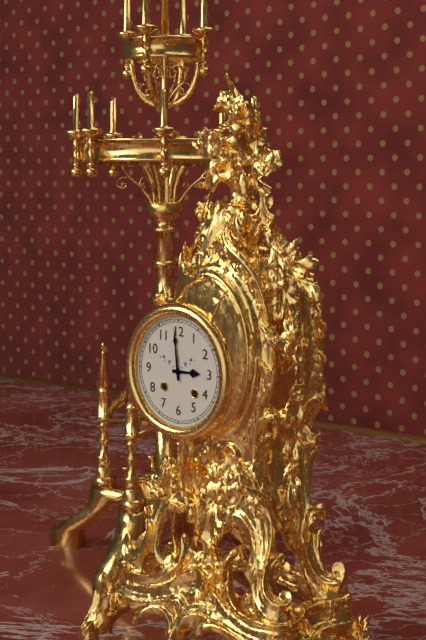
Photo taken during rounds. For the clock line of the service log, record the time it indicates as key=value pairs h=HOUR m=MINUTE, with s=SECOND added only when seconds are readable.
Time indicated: h=2 m=59
